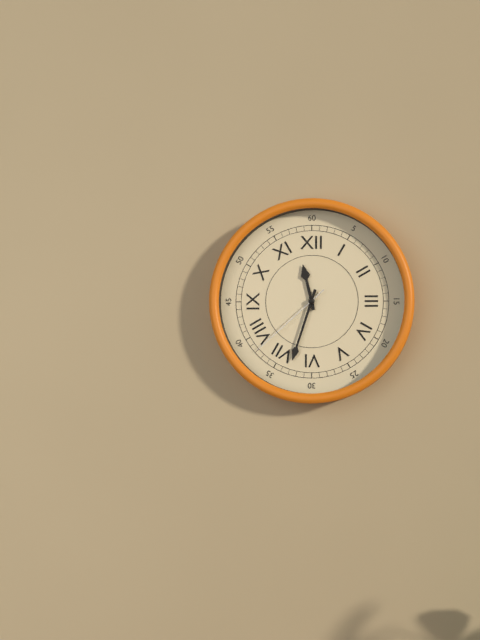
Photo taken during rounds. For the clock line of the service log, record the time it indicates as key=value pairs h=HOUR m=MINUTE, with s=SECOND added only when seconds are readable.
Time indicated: h=11 m=33 s=38
